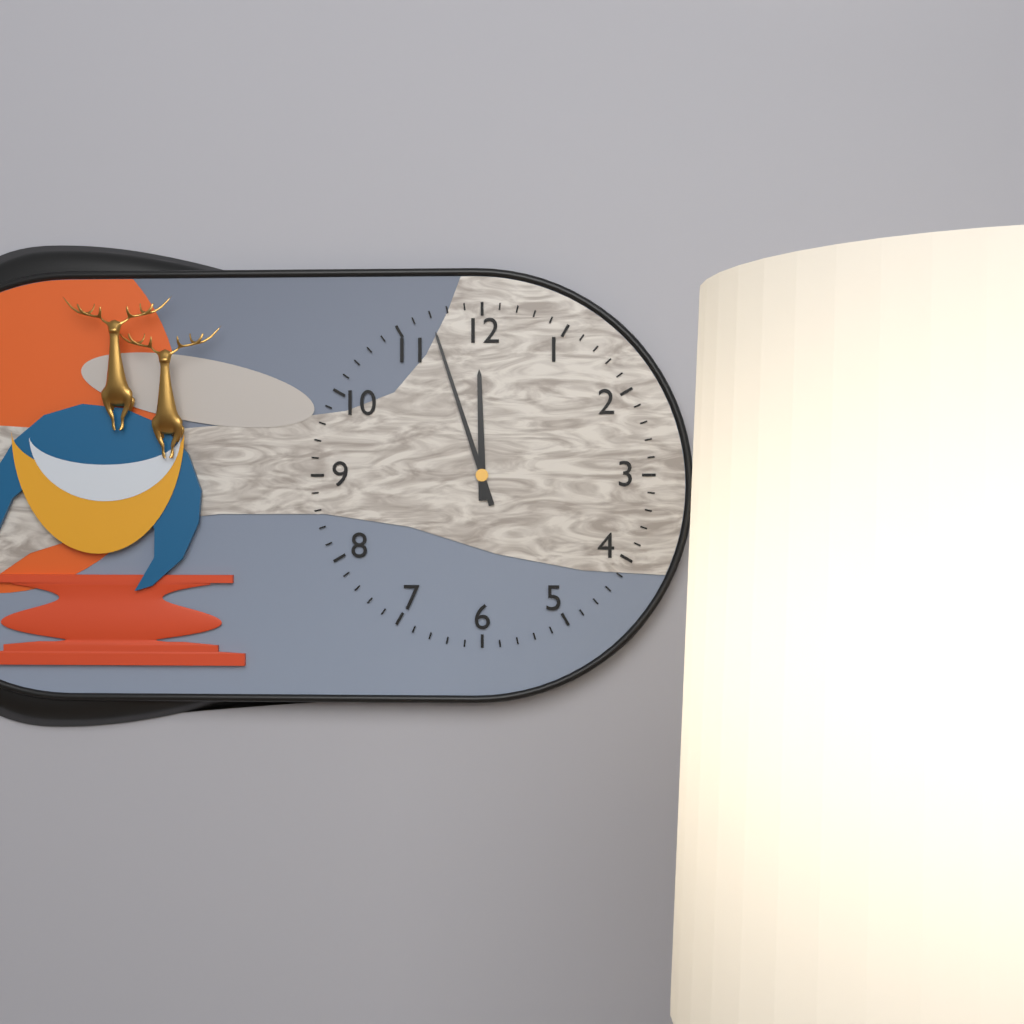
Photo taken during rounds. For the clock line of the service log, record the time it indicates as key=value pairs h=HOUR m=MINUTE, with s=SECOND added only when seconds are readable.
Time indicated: h=11 m=57
